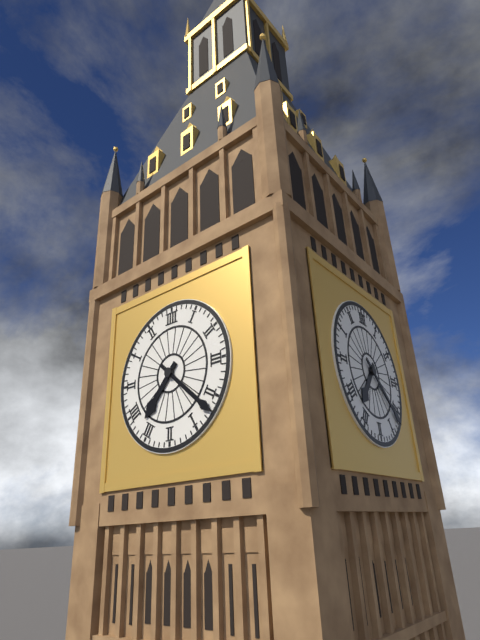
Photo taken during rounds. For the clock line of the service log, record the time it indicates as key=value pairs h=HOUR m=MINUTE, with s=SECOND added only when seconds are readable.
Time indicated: h=7 m=22
